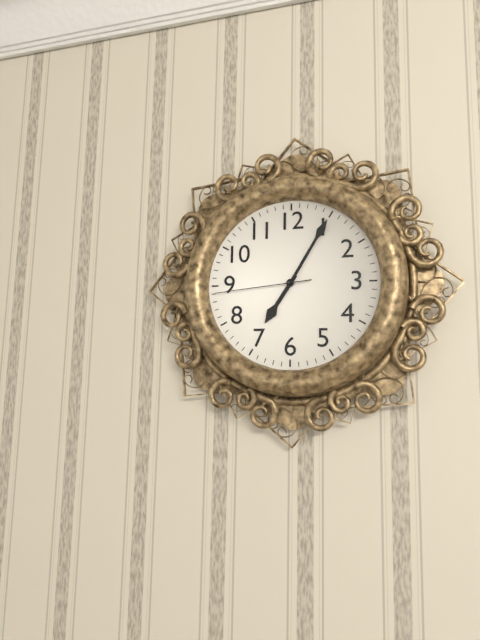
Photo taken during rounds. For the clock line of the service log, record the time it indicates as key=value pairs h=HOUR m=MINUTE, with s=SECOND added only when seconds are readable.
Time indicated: h=7 m=5 s=44
